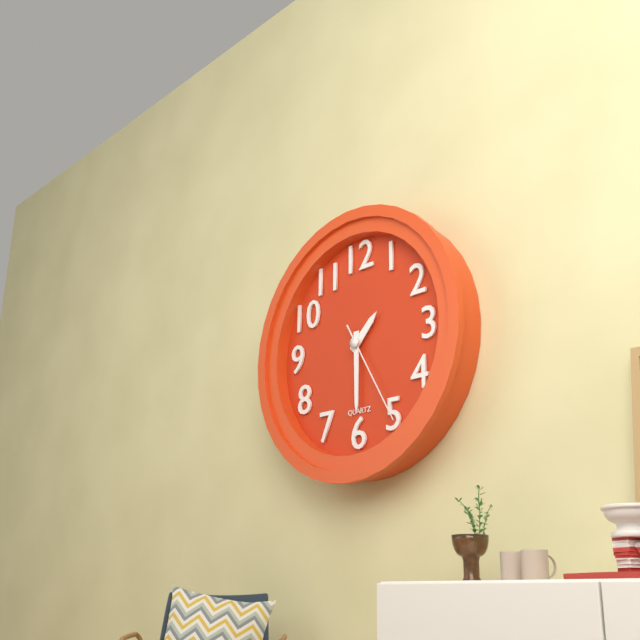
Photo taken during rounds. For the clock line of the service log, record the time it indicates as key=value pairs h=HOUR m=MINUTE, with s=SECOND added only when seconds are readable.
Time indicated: h=1 m=30 s=25
